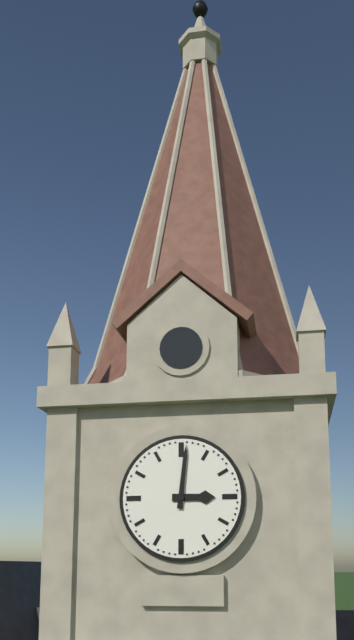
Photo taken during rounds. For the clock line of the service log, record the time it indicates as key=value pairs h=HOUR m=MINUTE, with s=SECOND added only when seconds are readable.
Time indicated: h=3 m=1
